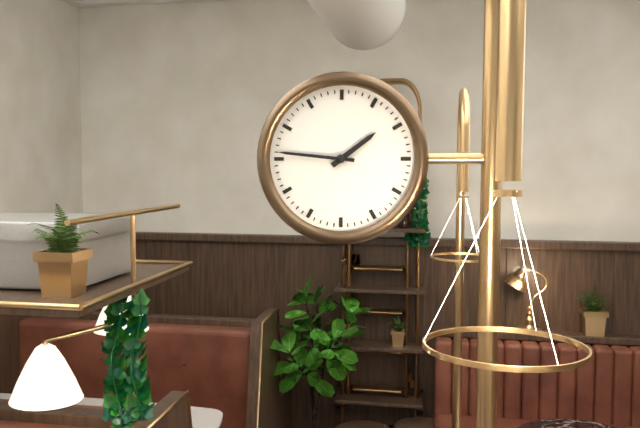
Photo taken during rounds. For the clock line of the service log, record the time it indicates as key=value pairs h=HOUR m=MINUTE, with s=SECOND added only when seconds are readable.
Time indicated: h=1 m=46
